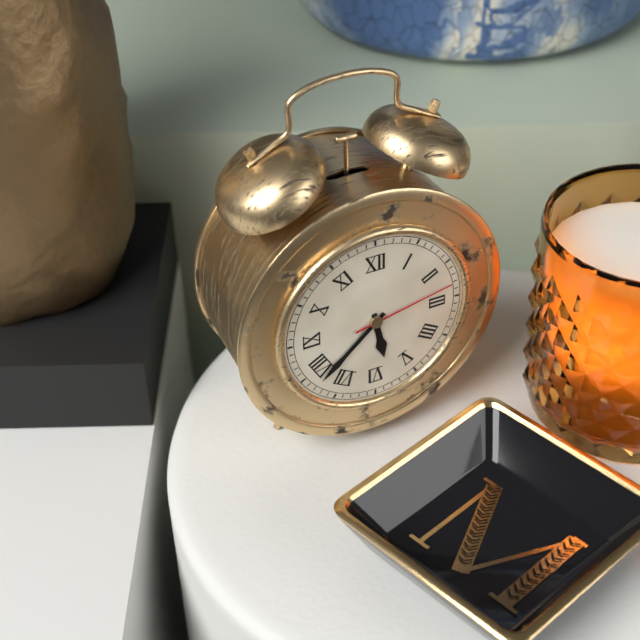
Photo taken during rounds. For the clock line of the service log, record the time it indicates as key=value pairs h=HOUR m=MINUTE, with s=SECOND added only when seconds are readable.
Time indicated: h=5 m=38 s=13
